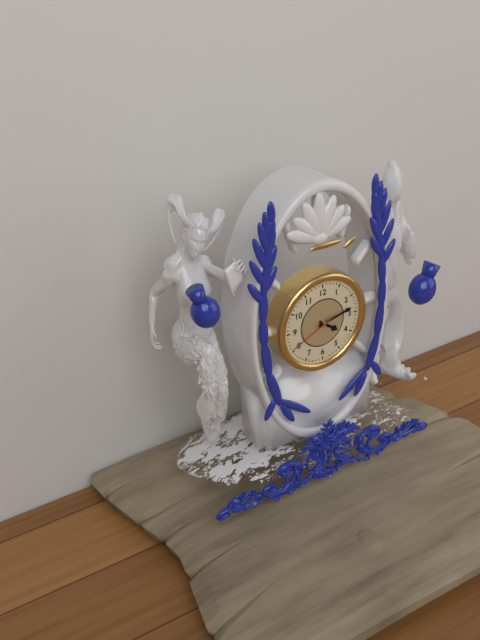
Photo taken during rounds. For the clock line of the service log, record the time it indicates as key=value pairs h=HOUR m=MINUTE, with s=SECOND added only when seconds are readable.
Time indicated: h=4 m=13
